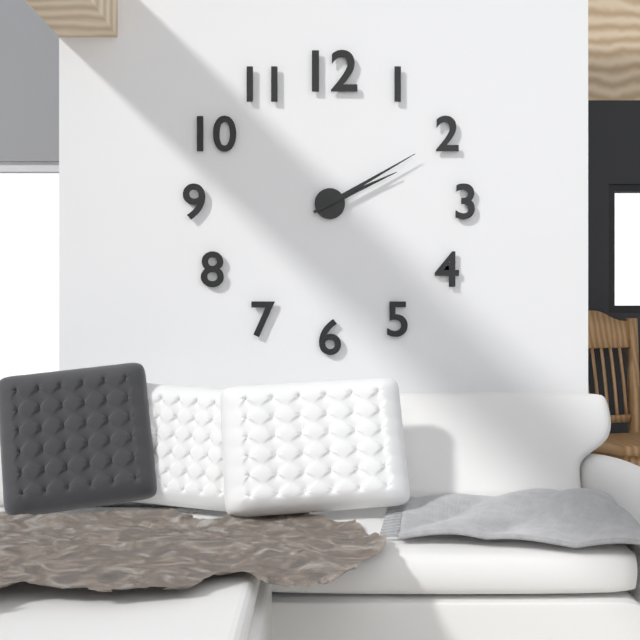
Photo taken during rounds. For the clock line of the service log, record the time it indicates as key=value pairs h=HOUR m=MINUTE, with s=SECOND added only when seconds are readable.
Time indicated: h=2 m=10
